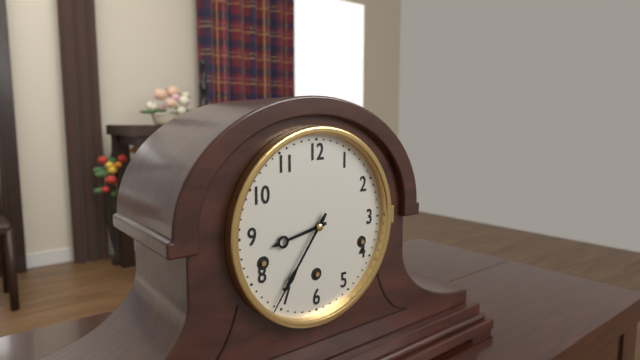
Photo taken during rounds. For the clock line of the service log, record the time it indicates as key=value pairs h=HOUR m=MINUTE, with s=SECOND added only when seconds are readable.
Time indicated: h=8 m=36
